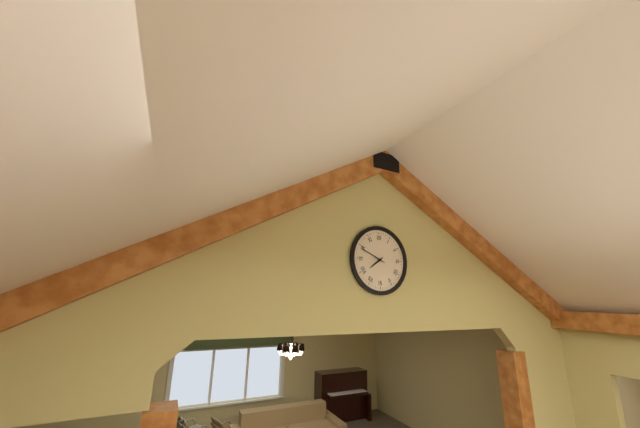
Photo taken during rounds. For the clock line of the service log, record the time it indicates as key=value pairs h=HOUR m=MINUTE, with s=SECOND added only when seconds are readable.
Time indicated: h=7 m=49
